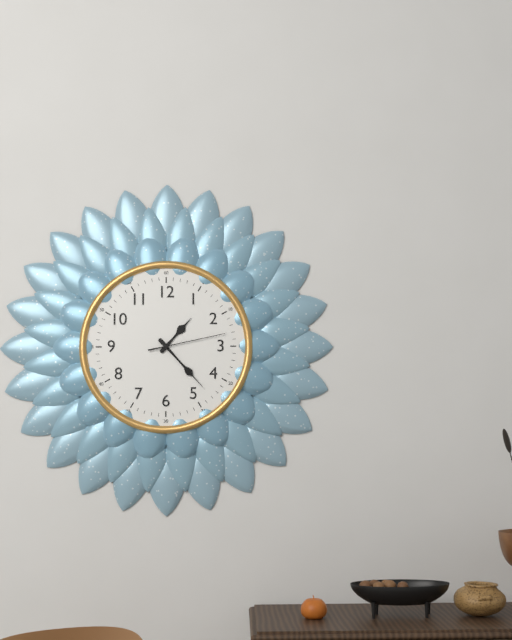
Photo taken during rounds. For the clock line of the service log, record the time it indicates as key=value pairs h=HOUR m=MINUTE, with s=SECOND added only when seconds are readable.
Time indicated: h=1 m=23 s=13
